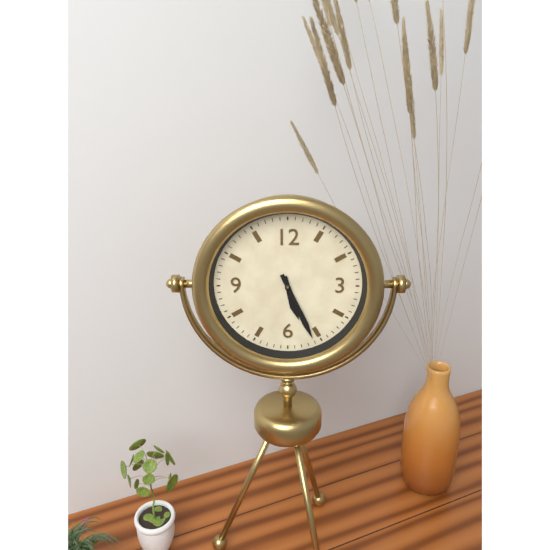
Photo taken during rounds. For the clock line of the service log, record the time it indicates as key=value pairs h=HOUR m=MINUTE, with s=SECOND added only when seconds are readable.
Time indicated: h=5 m=26
